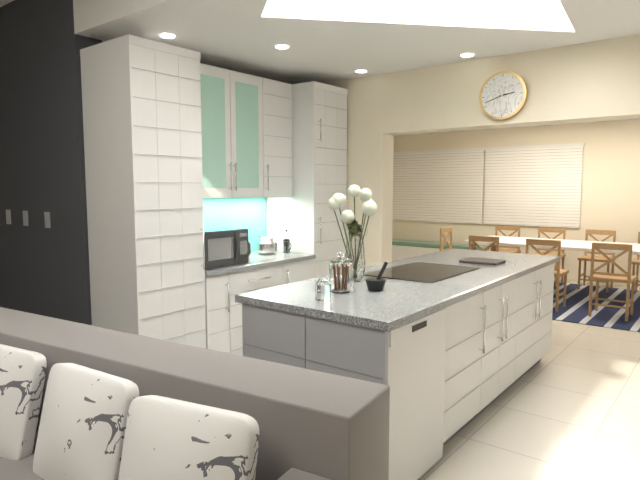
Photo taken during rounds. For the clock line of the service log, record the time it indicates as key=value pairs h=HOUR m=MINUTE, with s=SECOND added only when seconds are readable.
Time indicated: h=2 m=42
